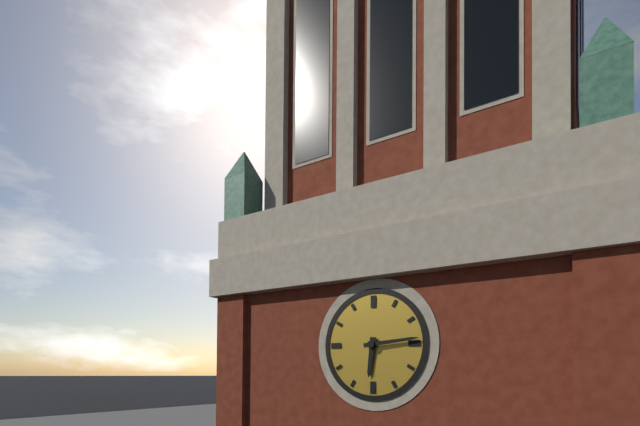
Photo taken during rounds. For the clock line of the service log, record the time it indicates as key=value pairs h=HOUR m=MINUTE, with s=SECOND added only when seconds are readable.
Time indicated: h=6 m=14
